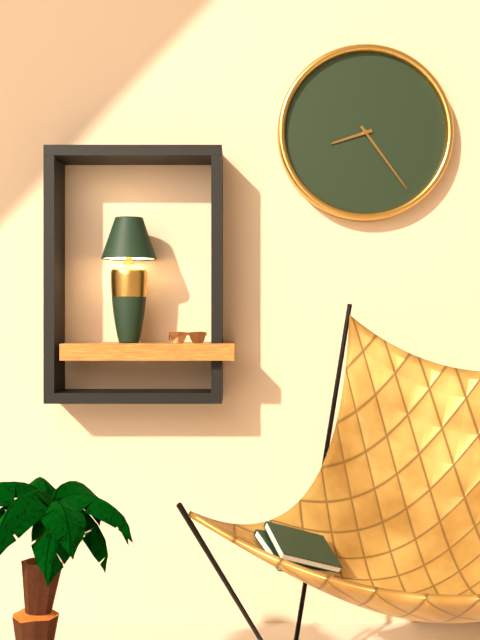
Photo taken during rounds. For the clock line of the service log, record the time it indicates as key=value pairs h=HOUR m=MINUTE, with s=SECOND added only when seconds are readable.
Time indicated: h=8 m=24
